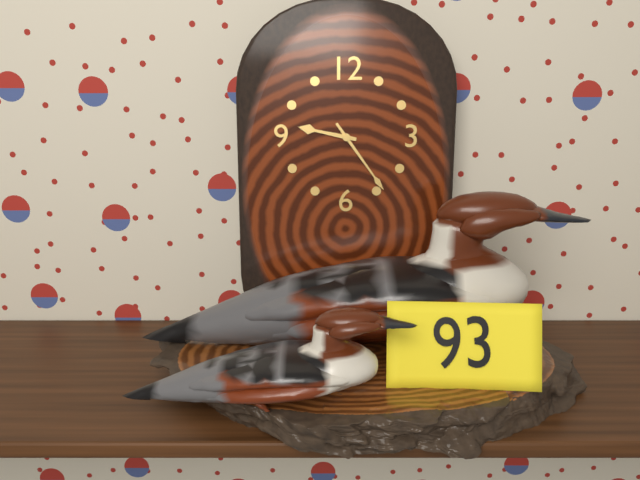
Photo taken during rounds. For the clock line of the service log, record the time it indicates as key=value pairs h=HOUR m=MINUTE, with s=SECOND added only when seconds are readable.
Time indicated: h=9 m=24
